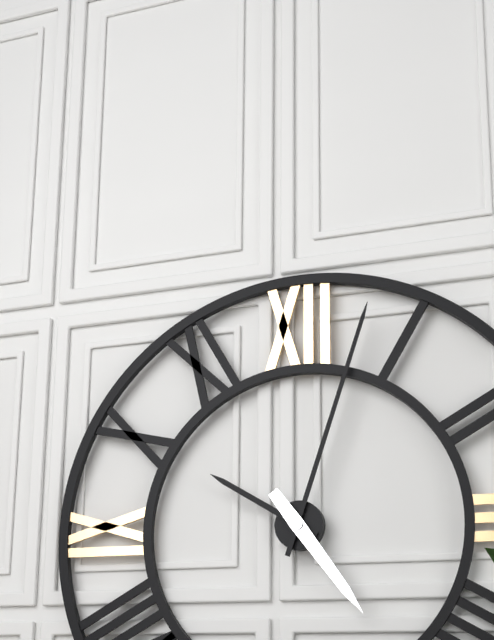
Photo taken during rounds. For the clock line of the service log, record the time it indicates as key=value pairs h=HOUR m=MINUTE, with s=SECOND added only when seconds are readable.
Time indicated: h=10 m=3 s=24
